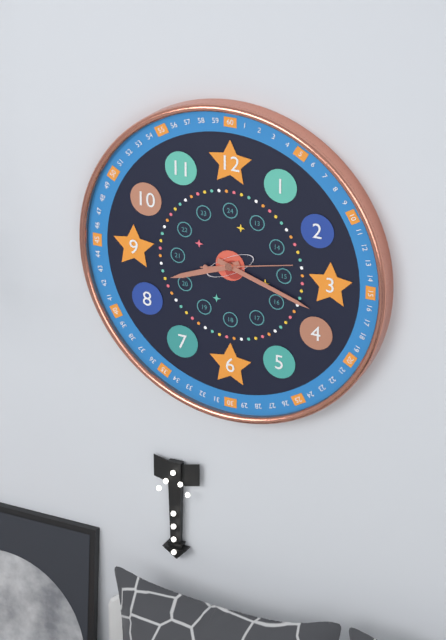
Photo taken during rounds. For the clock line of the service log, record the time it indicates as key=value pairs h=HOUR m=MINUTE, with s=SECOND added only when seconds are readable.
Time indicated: h=8 m=18 s=13
